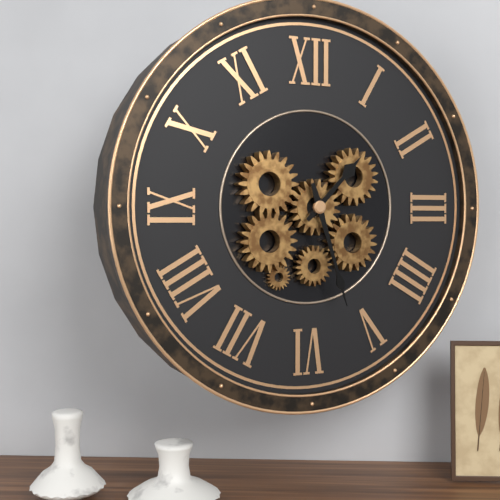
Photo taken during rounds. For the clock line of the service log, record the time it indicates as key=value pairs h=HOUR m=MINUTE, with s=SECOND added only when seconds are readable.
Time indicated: h=1 m=27
